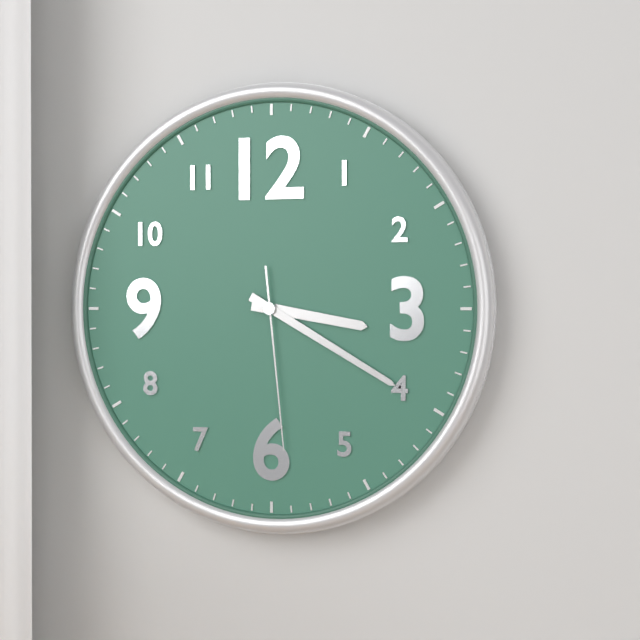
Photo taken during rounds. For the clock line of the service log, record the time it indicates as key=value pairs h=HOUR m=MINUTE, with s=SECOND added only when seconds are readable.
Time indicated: h=3 m=20 s=29
